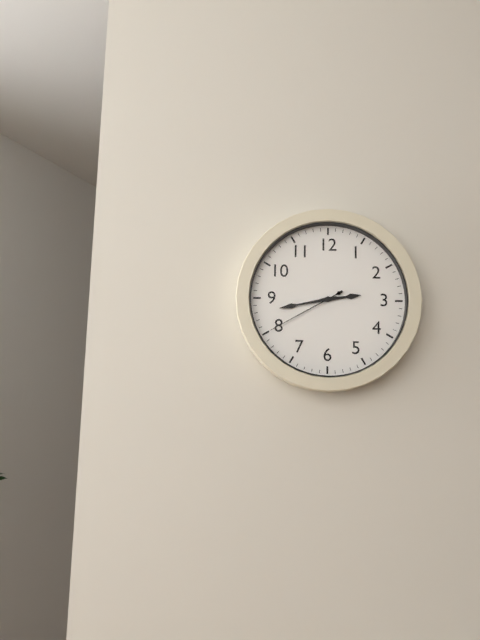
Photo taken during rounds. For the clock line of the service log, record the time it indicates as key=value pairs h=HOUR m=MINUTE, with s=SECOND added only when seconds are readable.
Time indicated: h=2 m=43 s=40
